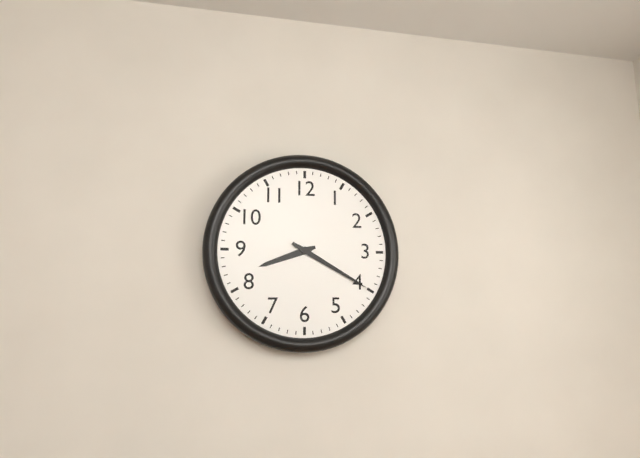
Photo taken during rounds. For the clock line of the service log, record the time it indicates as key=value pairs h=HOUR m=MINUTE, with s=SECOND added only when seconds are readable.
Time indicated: h=8 m=20
